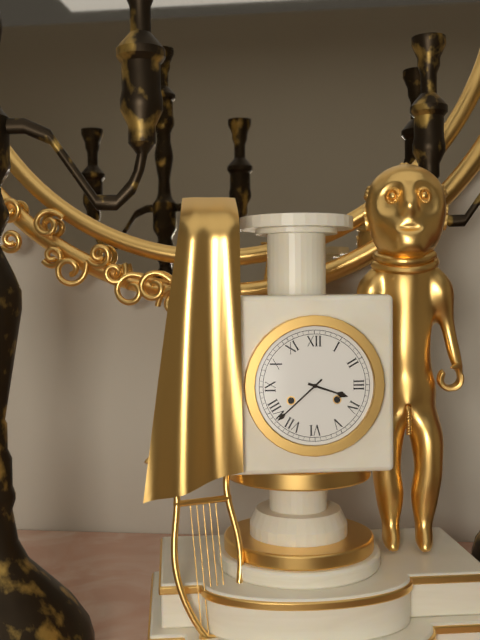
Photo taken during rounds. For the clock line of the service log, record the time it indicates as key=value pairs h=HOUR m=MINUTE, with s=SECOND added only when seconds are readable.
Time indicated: h=3 m=38
